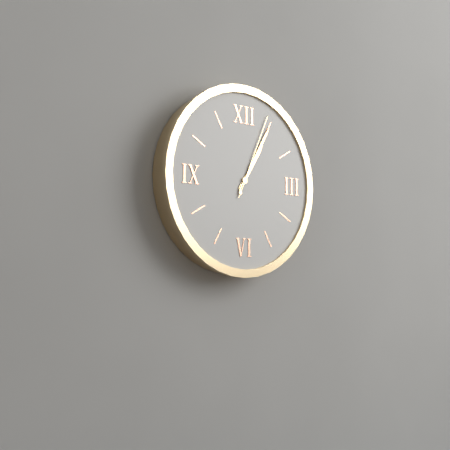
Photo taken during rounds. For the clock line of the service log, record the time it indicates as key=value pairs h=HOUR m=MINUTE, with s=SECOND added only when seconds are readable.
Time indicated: h=1 m=5 s=4
